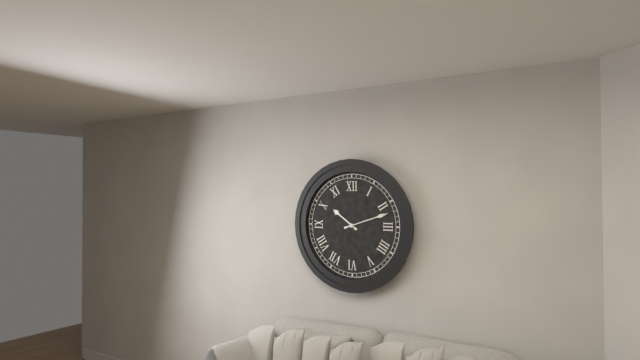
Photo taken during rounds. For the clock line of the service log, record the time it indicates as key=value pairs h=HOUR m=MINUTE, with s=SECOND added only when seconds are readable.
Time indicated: h=10 m=12
